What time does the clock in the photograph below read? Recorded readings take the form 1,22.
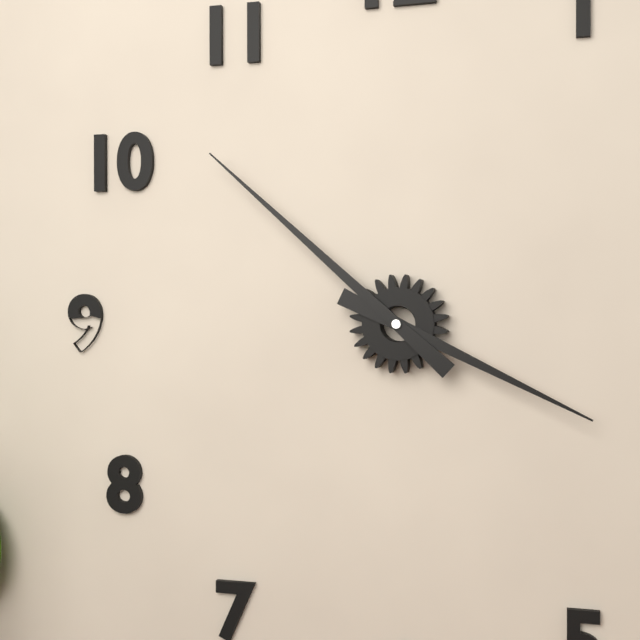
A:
3,52
